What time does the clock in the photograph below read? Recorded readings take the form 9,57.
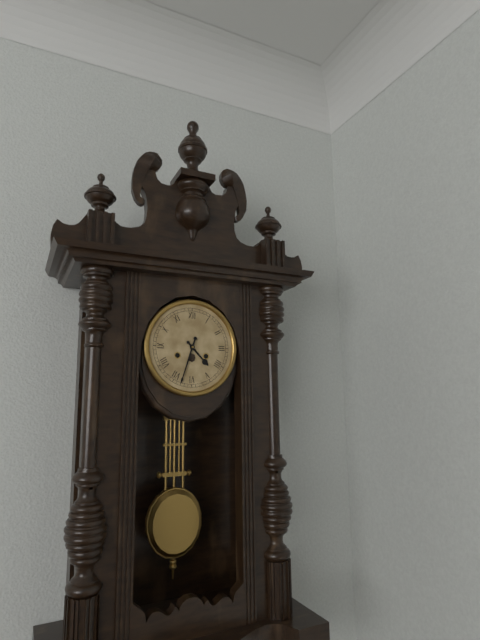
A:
4,33
